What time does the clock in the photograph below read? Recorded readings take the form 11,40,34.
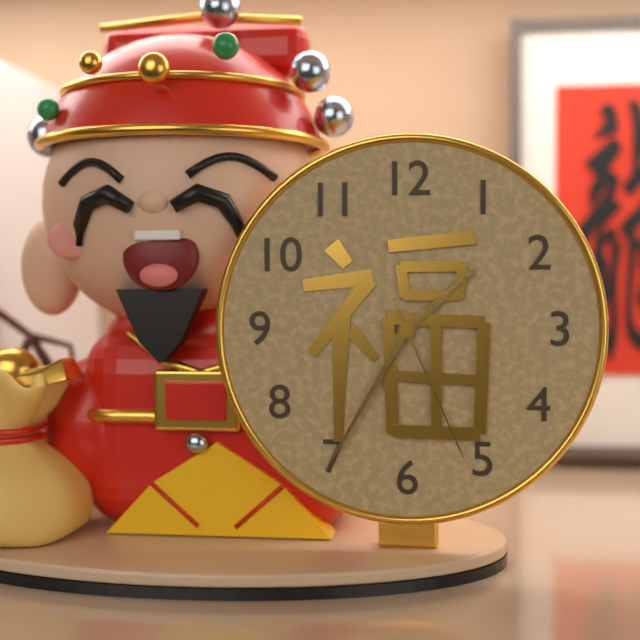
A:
1,35,26
